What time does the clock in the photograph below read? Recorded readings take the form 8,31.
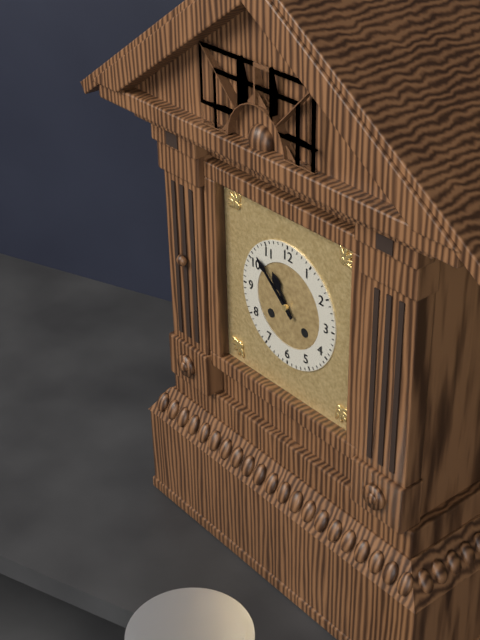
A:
10,52
